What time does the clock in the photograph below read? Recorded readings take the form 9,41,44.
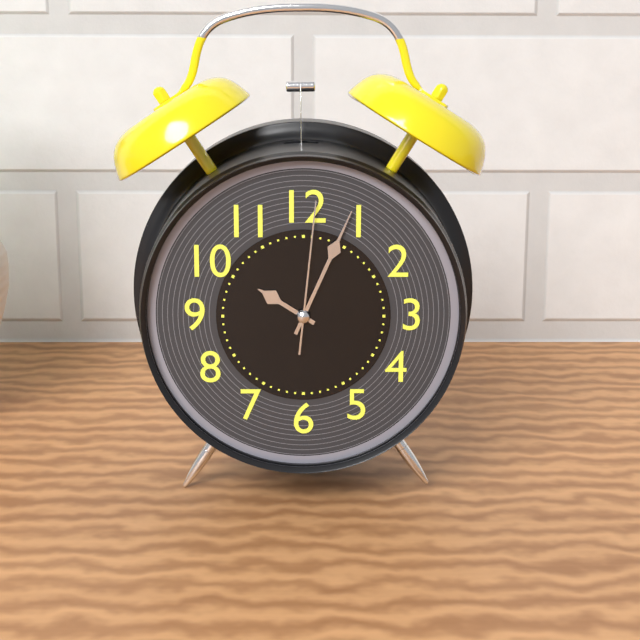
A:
10,04,01
